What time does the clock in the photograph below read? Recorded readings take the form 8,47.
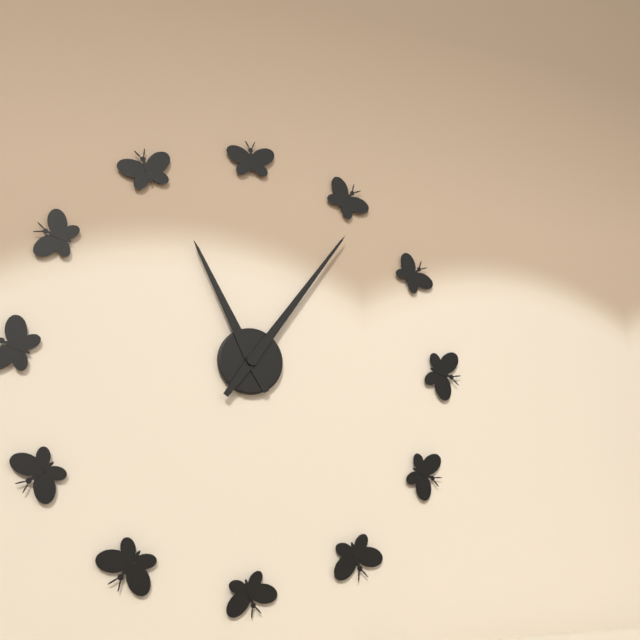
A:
11,06
